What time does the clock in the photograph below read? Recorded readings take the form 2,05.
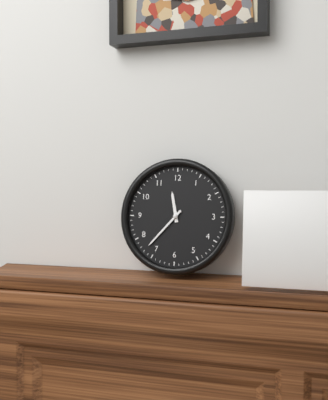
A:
11,37
